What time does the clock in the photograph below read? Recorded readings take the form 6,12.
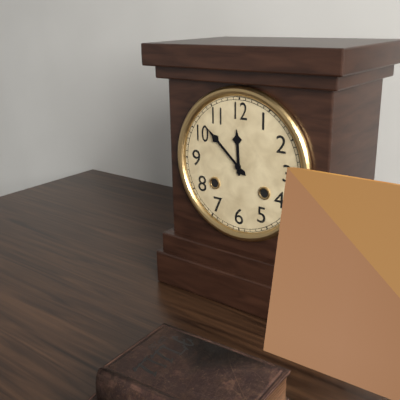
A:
11,52
